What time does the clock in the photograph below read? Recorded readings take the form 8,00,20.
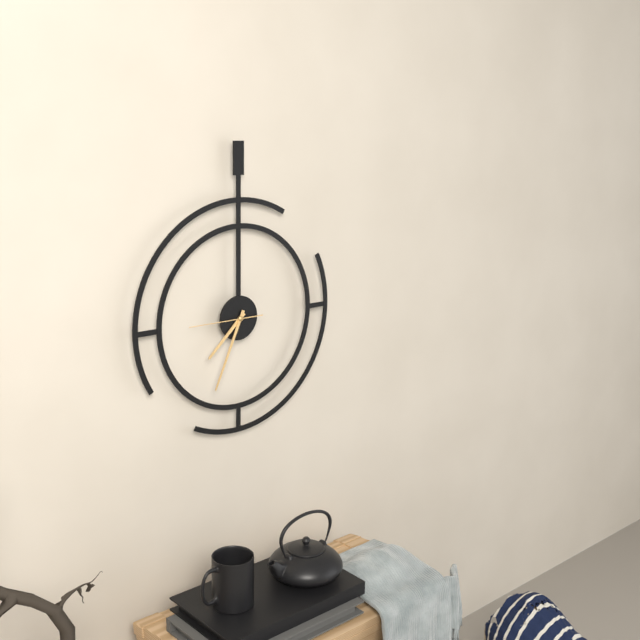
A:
7,34,45
